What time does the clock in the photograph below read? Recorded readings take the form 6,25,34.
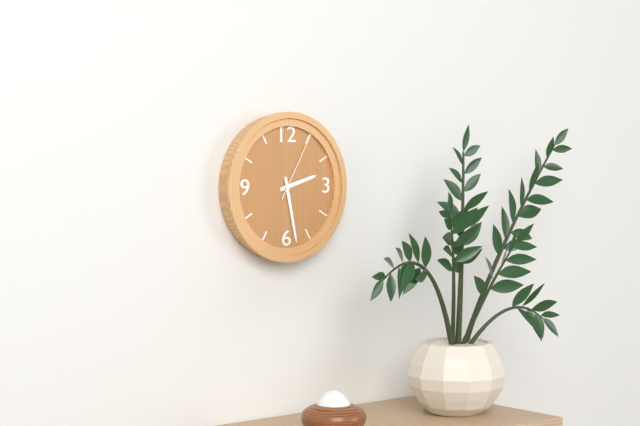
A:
2,28,05
